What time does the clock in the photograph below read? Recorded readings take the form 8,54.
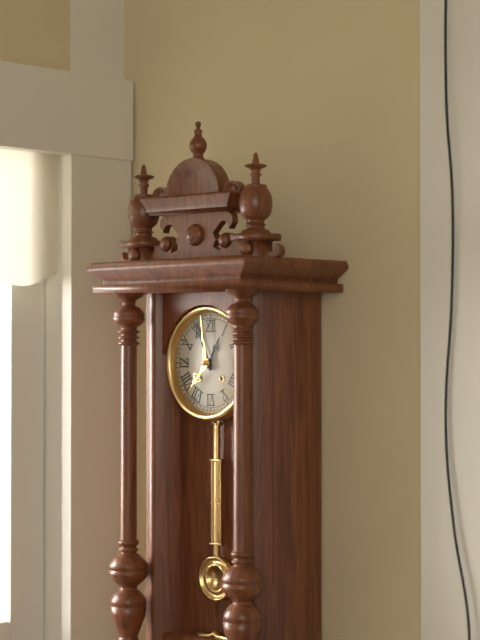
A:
12,56
